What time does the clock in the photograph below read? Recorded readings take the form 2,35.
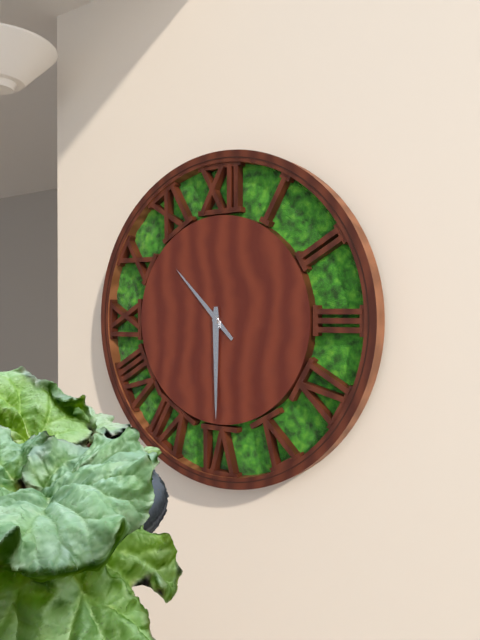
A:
10,30
